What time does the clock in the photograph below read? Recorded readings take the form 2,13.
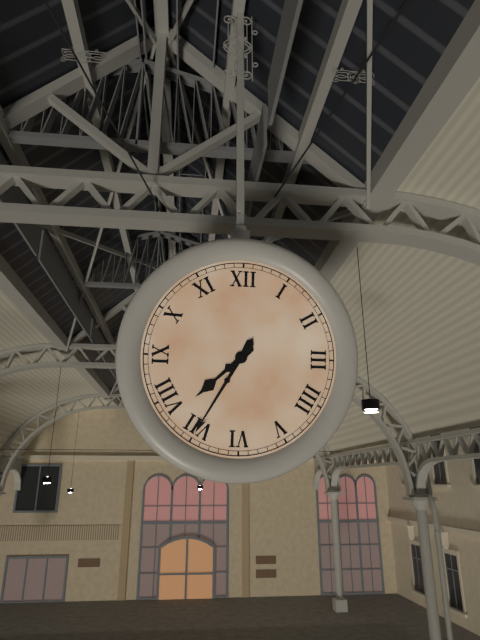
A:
7,35
